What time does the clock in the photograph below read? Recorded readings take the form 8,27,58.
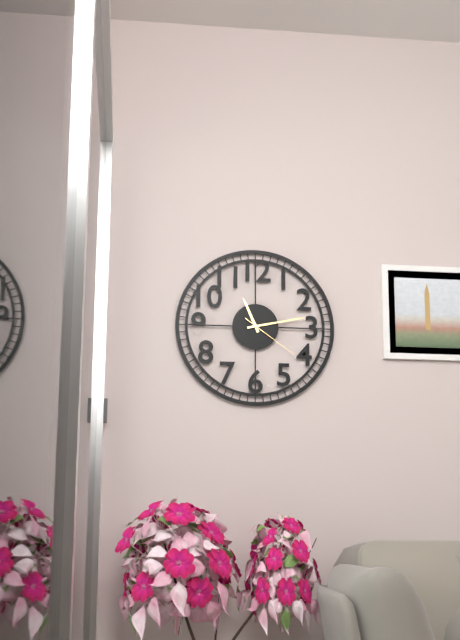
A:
11,13,21
